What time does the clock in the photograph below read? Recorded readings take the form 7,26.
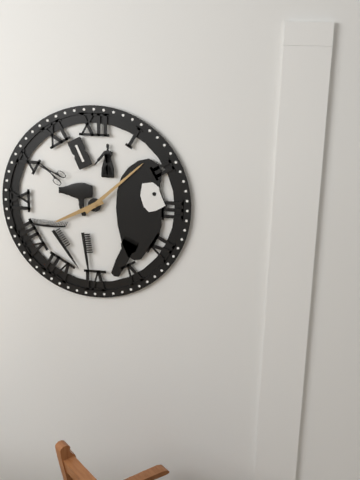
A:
8,08
